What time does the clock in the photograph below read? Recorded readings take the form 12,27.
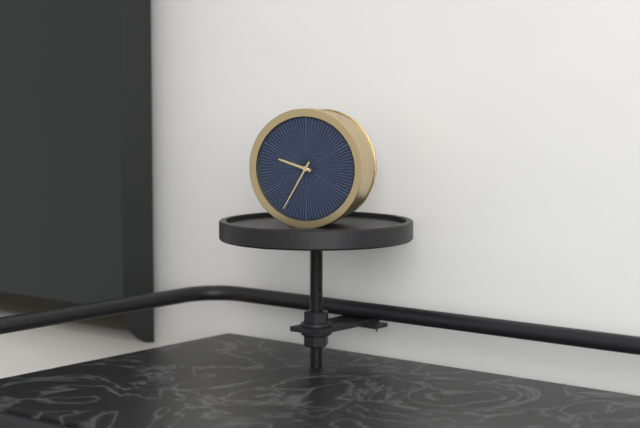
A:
9,35
